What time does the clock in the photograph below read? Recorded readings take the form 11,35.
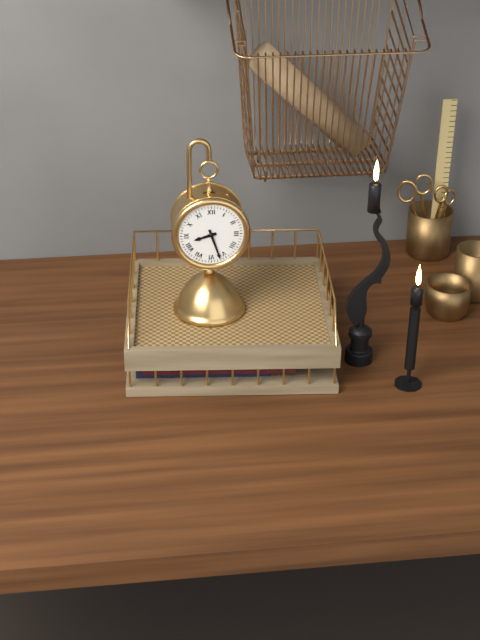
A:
8,27
